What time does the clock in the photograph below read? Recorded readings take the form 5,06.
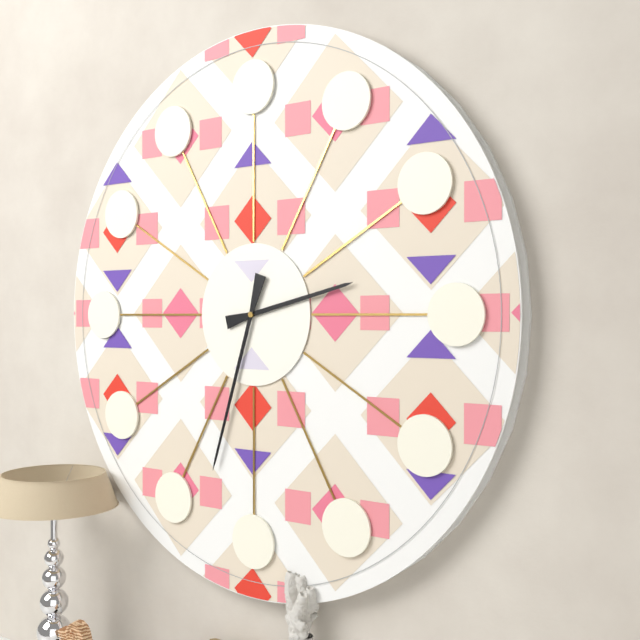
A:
2,33
